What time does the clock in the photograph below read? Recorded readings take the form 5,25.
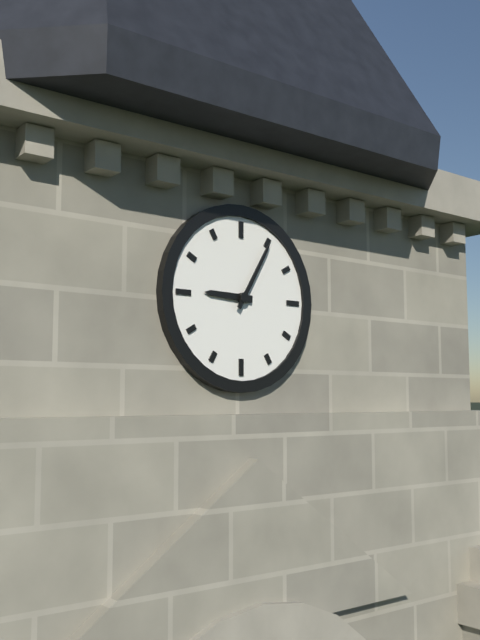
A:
9,05
